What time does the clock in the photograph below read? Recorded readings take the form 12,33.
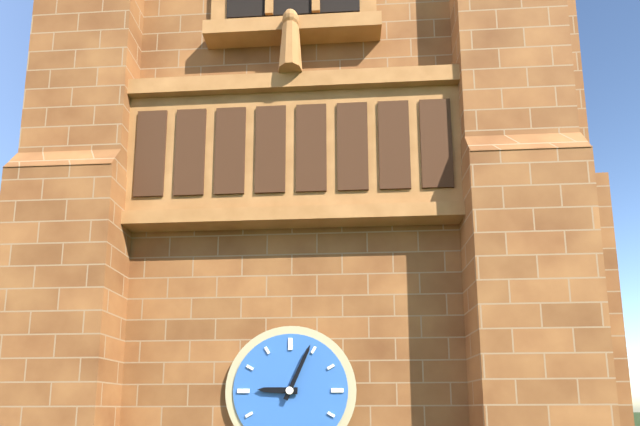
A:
9,04
